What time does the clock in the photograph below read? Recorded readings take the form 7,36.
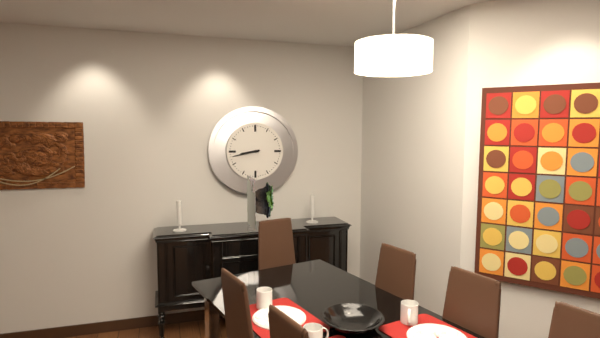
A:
8,43
